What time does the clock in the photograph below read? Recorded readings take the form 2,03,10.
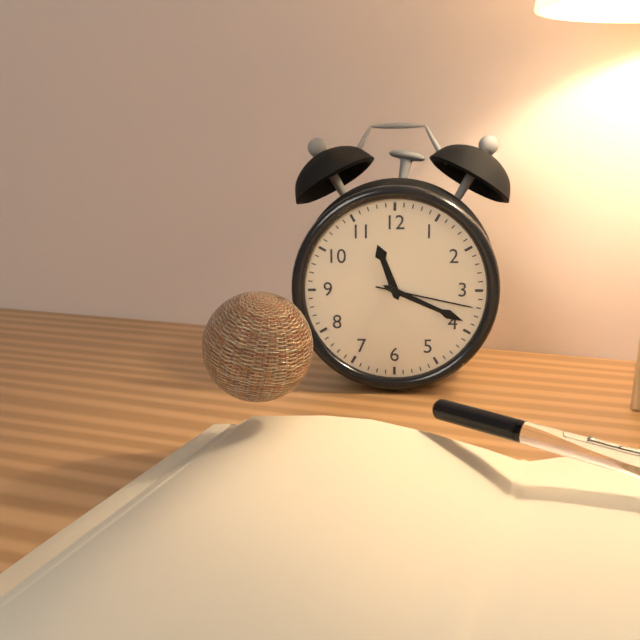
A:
11,19,17
